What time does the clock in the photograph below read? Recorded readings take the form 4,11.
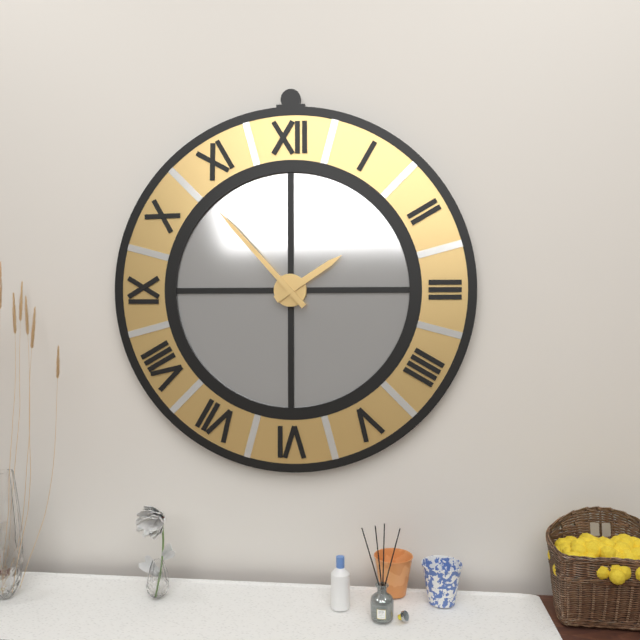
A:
1,53
